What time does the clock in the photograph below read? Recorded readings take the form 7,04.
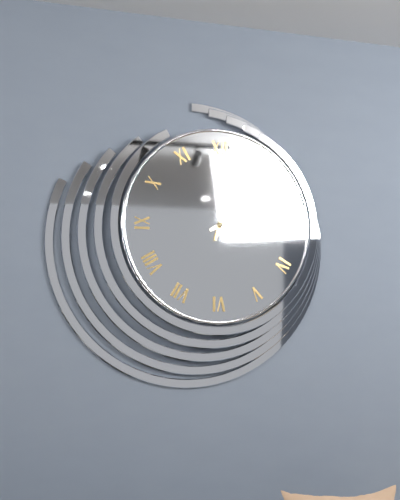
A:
2,03
